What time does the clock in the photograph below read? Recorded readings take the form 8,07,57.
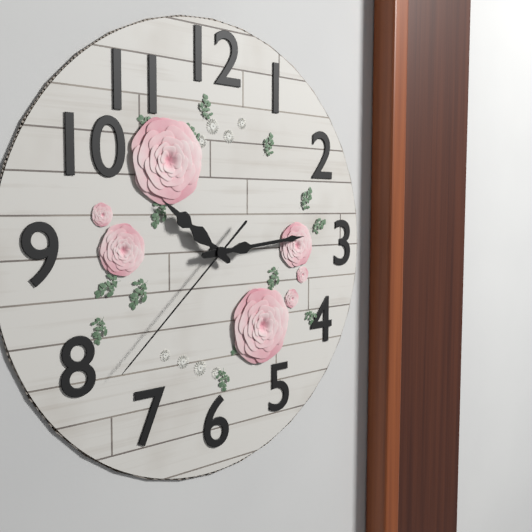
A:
10,14,38
